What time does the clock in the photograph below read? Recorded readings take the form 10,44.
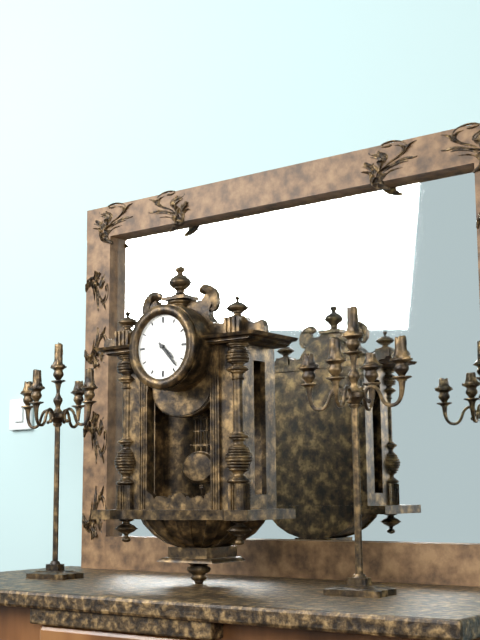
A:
4,23
